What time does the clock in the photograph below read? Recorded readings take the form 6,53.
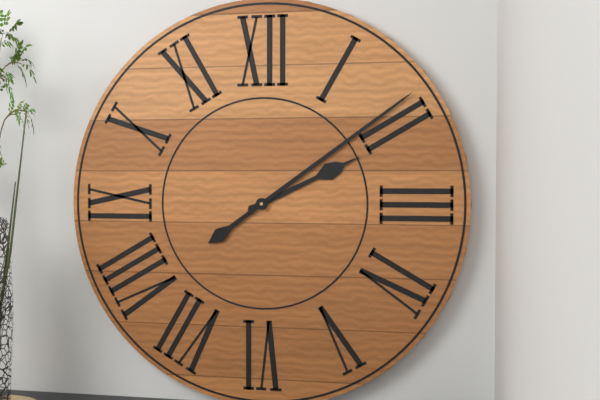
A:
2,09
